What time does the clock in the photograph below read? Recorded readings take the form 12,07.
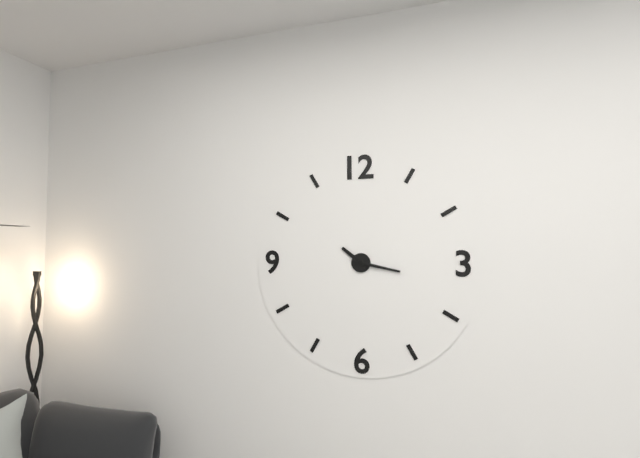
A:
10,17
